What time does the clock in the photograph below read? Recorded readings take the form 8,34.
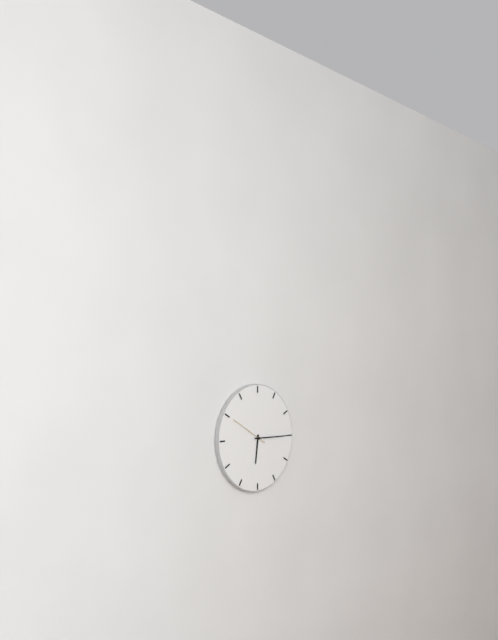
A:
6,15
